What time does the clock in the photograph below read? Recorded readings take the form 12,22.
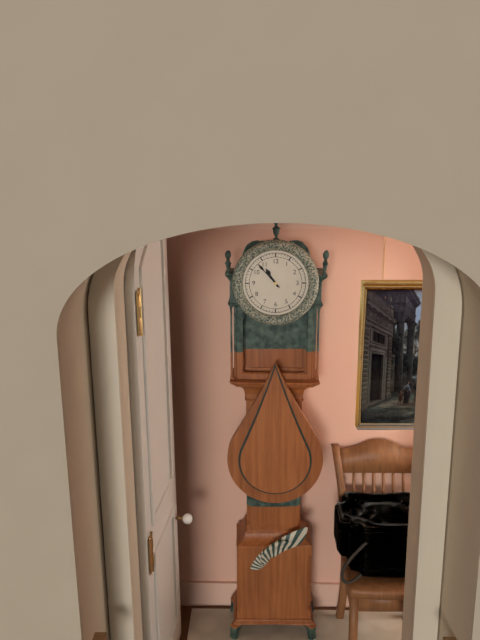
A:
10,53
